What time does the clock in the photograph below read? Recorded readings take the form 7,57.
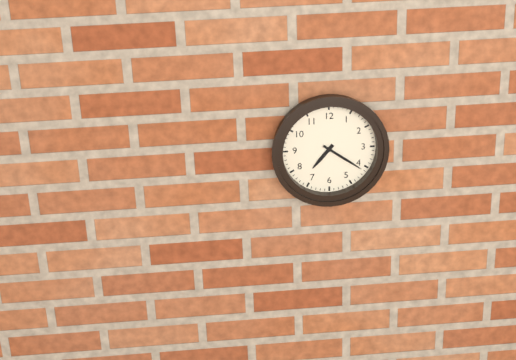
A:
7,21
